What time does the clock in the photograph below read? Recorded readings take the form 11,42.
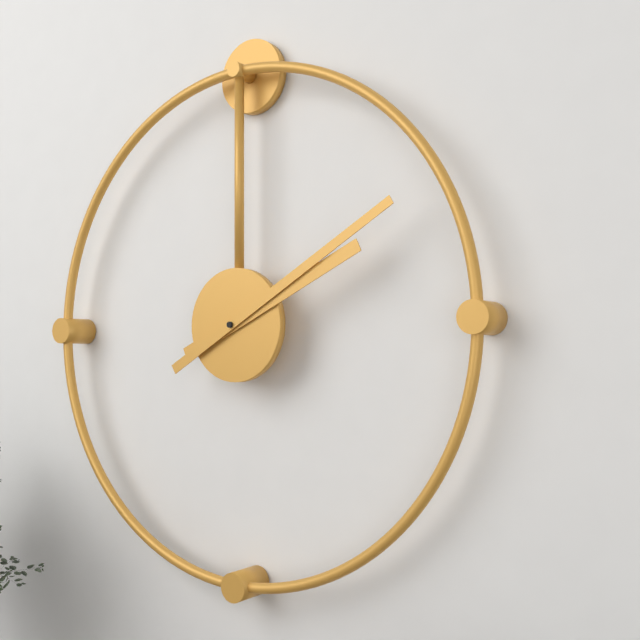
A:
2,10
